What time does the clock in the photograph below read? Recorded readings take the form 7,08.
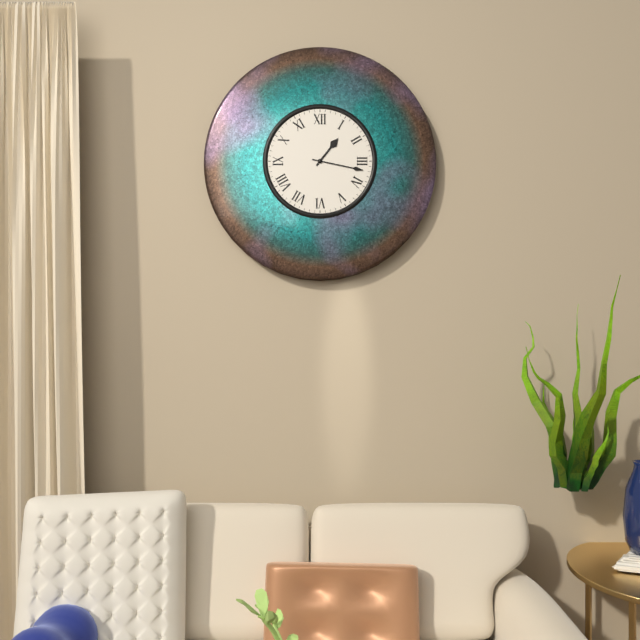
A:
1,17
